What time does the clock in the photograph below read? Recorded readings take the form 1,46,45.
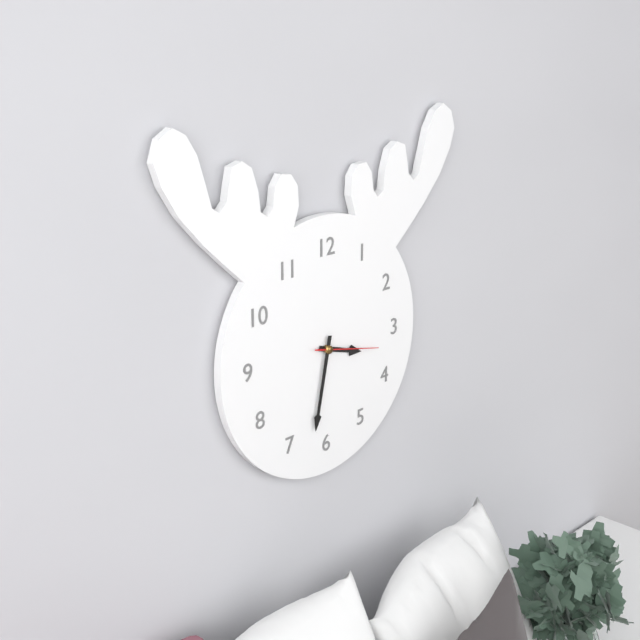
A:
3,32,17
